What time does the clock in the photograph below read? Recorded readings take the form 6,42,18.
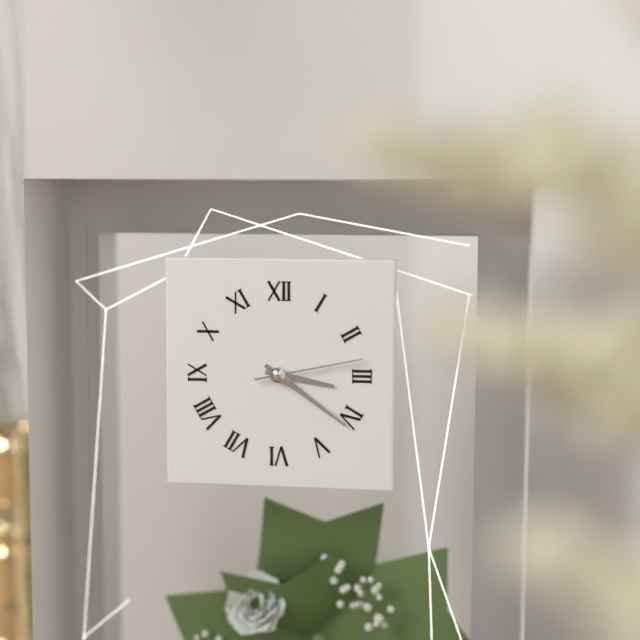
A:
3,21,13
